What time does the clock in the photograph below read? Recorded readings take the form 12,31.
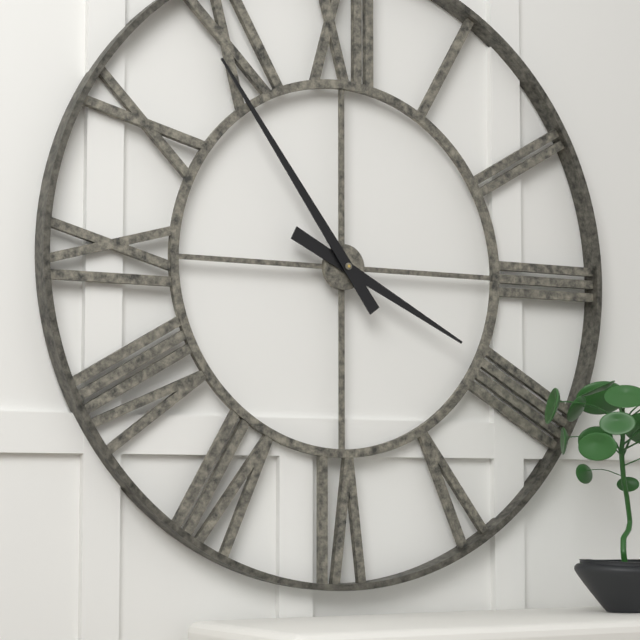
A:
3,54
